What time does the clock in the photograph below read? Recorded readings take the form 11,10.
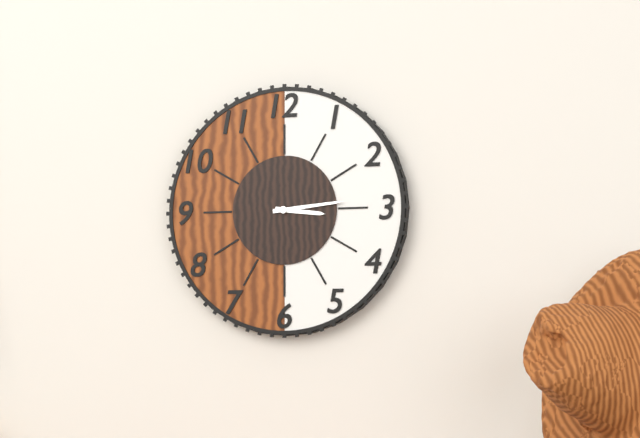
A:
3,14
